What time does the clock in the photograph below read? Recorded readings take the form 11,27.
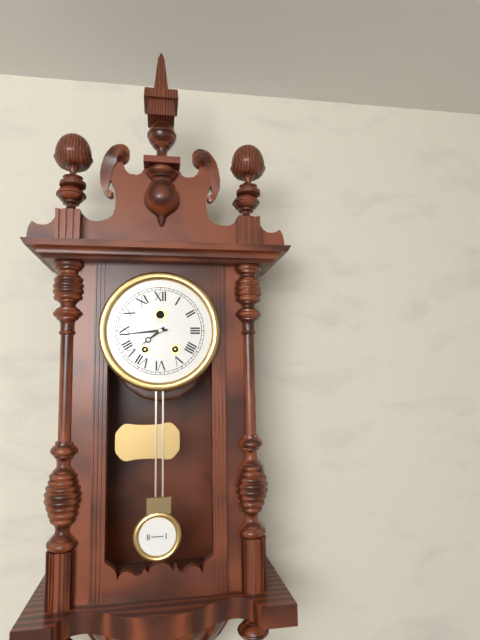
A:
7,44
